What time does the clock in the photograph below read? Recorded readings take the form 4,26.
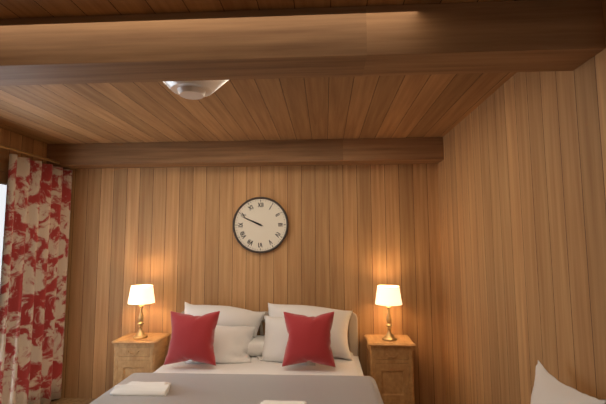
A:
9,49
